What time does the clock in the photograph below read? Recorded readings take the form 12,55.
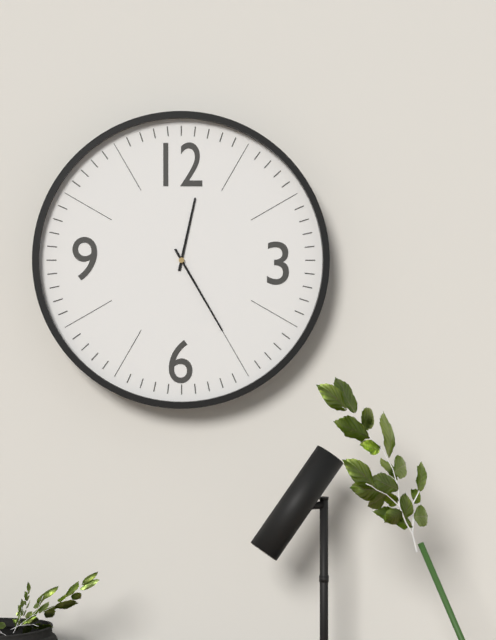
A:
12,25
